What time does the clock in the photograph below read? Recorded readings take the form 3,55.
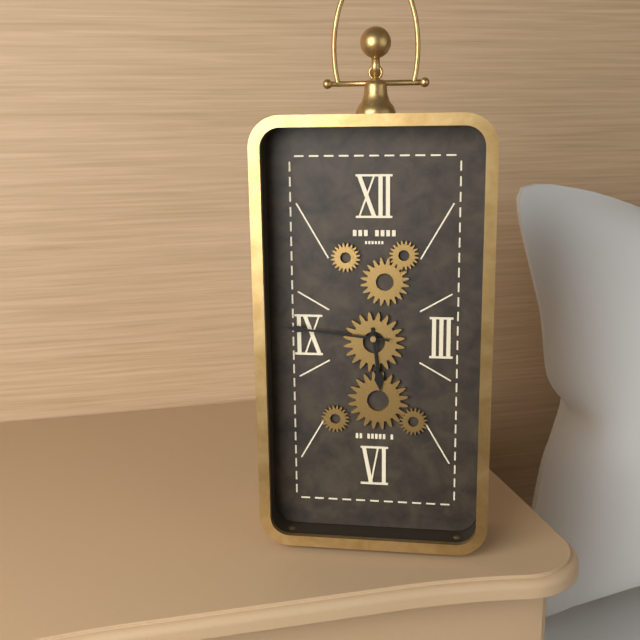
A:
5,46
